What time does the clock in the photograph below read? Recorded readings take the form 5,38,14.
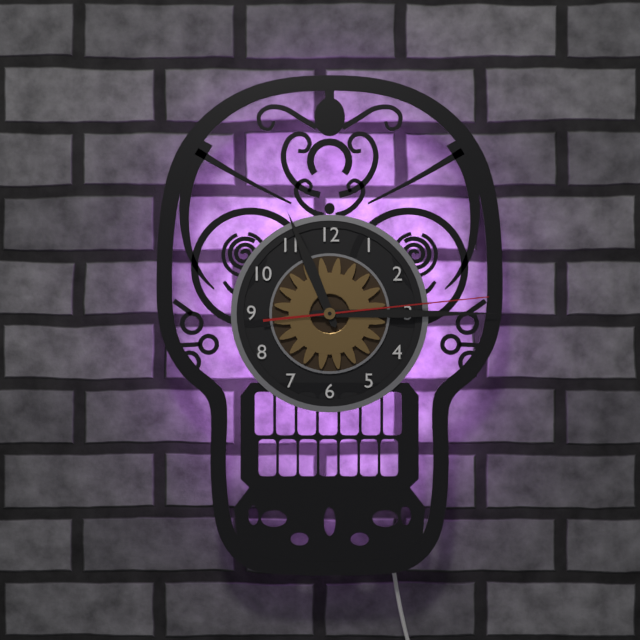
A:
11,15,14
